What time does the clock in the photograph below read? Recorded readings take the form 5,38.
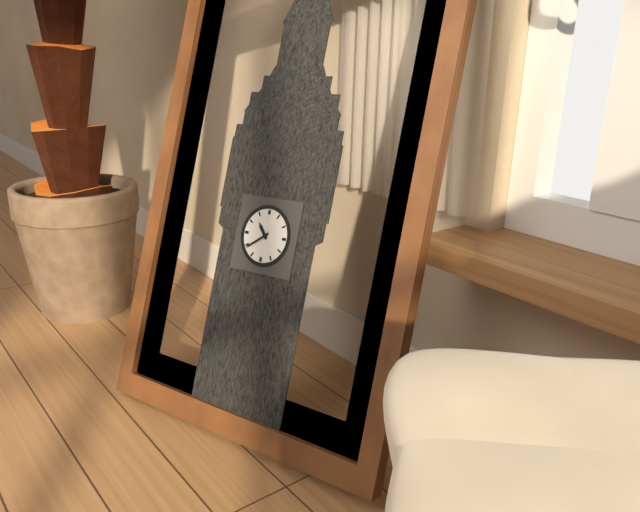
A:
10,39
